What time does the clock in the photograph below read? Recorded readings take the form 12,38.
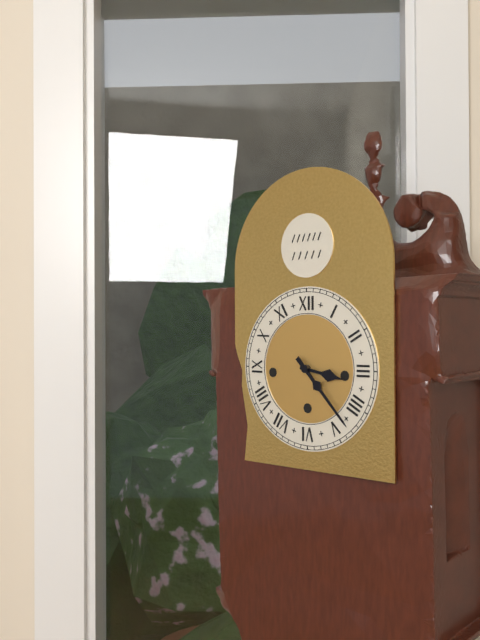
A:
3,23
